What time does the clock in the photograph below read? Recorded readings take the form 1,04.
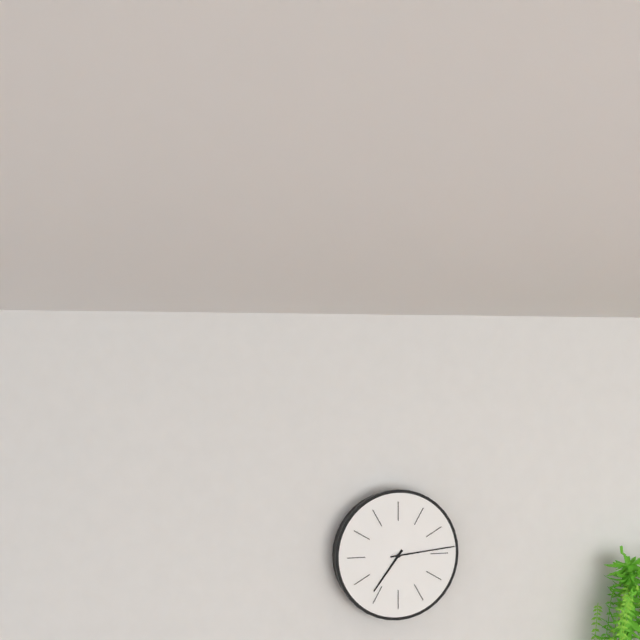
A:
7,14
